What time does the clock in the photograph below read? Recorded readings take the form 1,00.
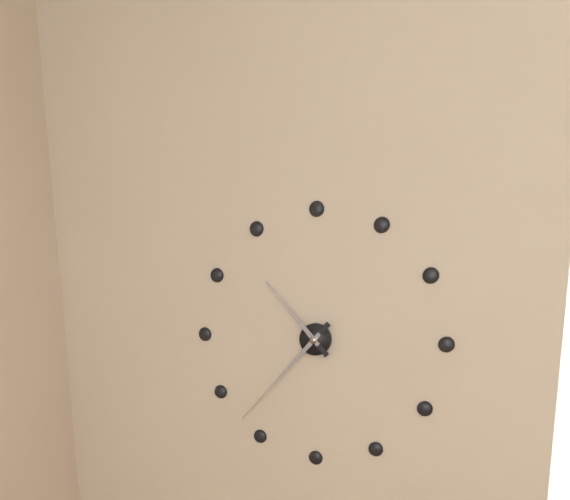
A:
10,37
